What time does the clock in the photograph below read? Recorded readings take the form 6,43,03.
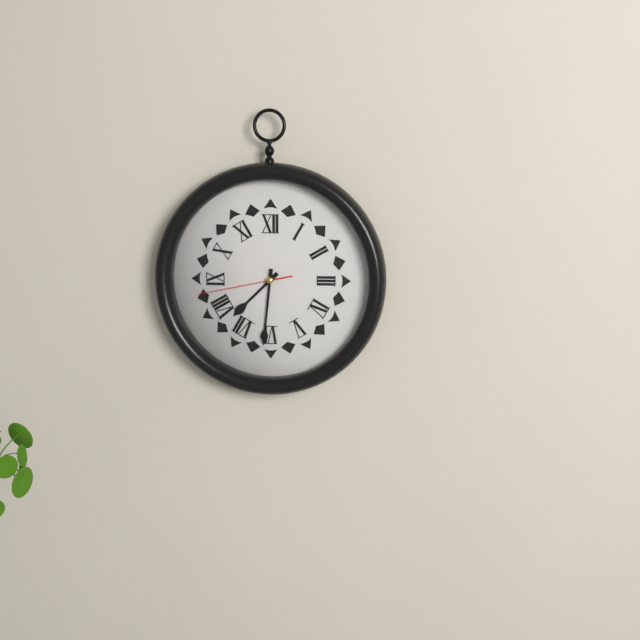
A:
7,31,43
